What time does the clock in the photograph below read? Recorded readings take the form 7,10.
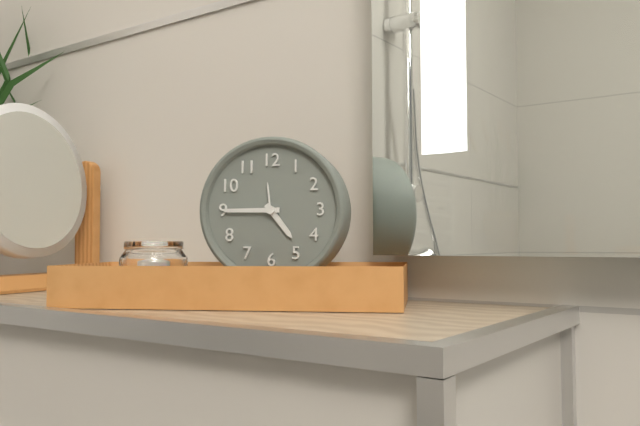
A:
4,45
